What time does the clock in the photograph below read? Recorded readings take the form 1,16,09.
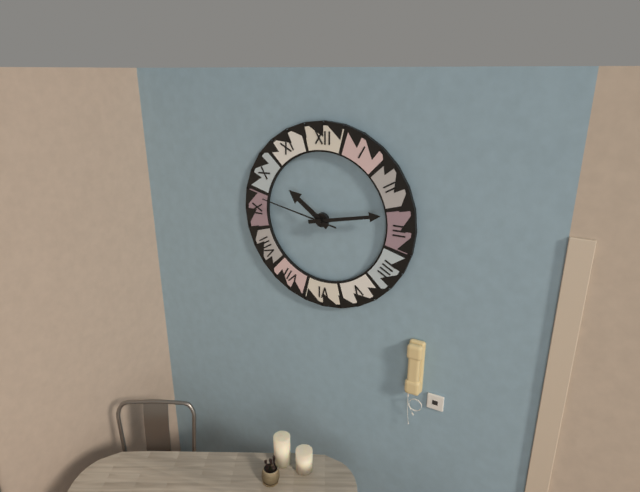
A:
10,13,47
